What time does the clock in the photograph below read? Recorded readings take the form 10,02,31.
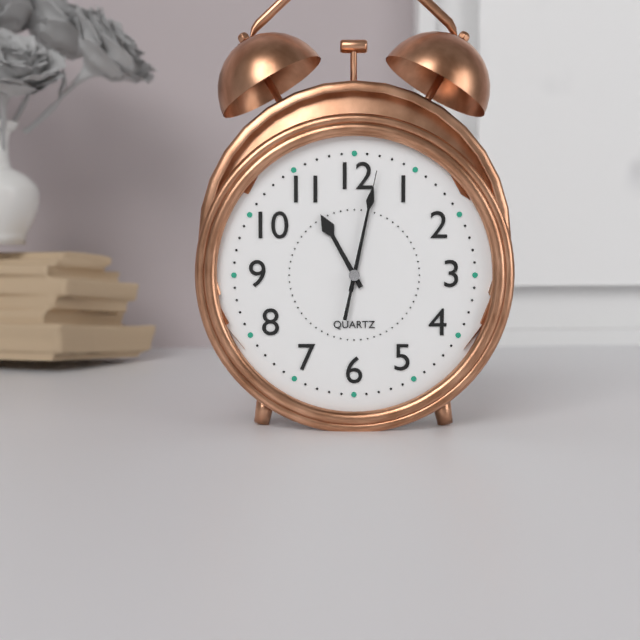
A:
11,02,02
